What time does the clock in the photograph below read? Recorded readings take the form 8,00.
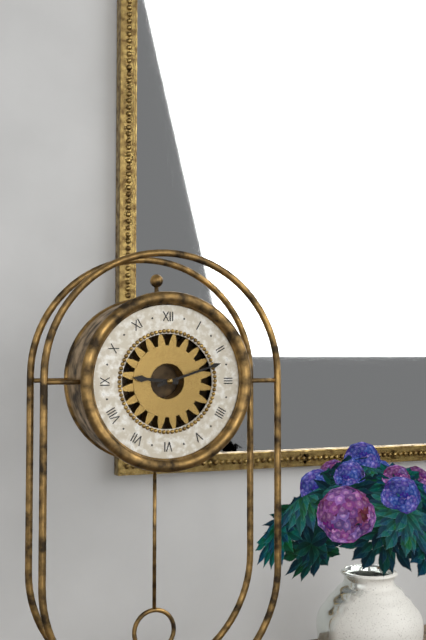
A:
9,12
